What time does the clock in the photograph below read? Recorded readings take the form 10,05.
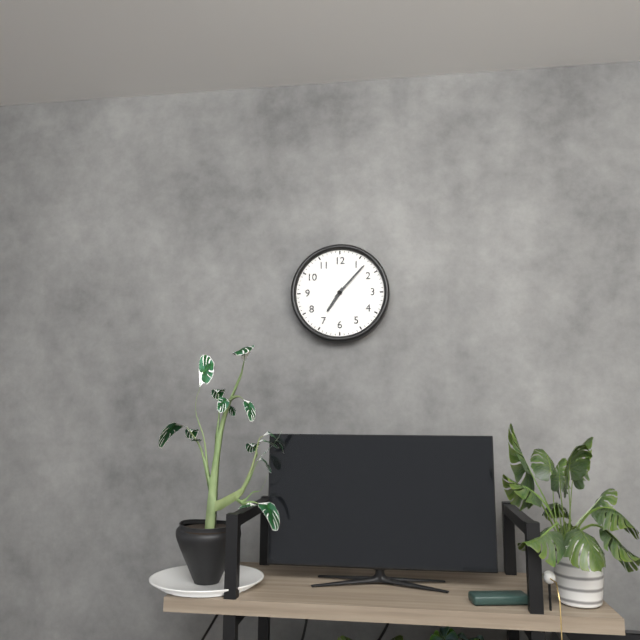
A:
7,07
